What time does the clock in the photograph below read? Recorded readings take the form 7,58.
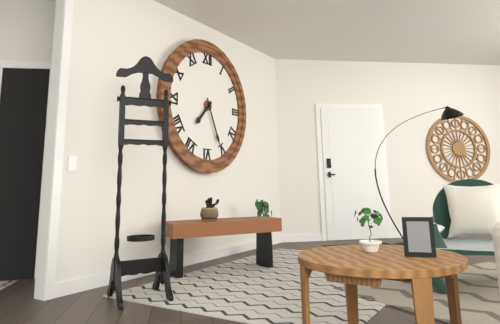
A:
7,26
